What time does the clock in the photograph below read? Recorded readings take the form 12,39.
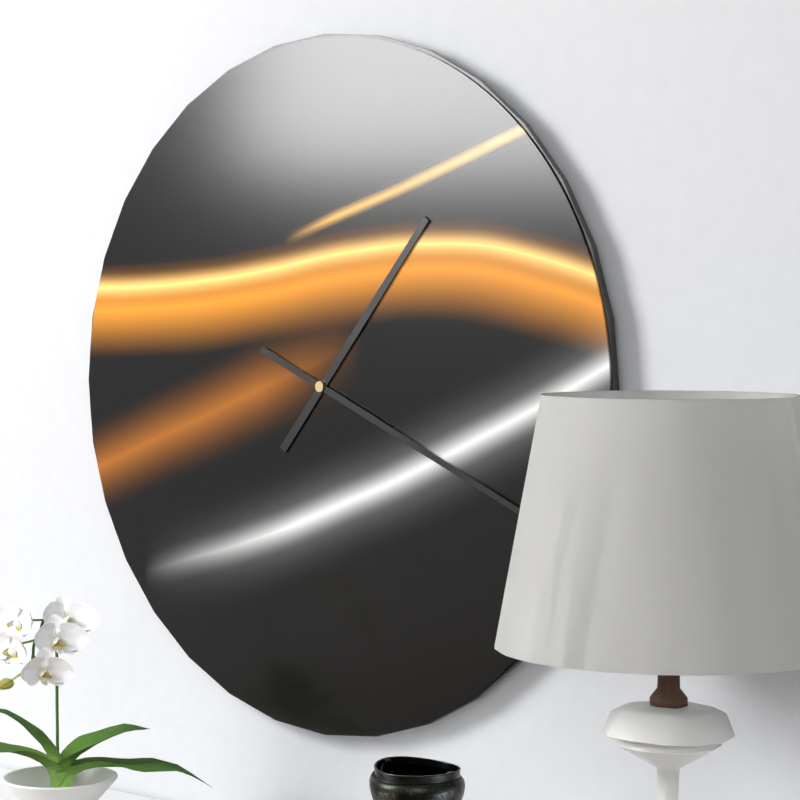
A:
1,19
